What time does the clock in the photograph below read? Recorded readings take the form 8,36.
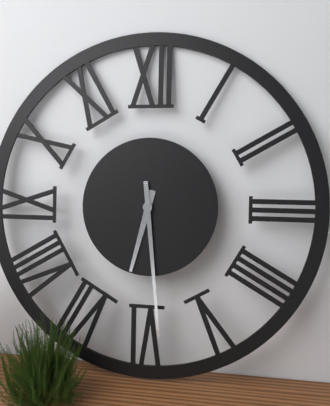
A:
6,29
